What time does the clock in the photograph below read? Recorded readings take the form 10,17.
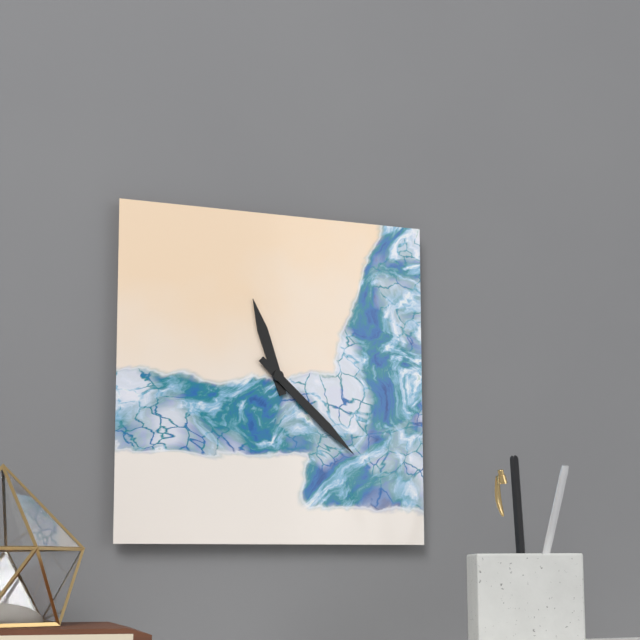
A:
11,22
